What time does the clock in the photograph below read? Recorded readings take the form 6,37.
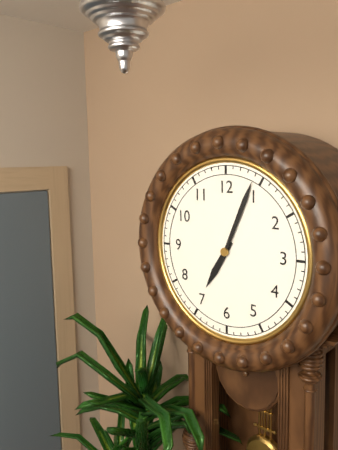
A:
7,04
